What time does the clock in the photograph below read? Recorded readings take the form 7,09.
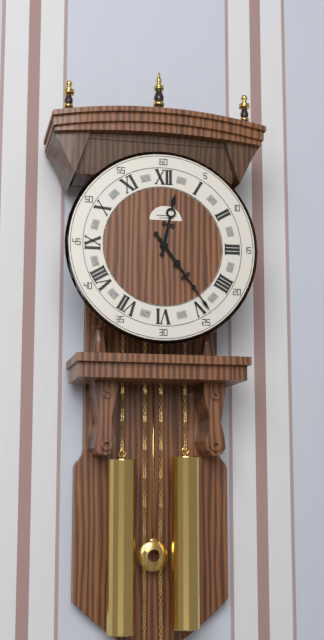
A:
12,24
